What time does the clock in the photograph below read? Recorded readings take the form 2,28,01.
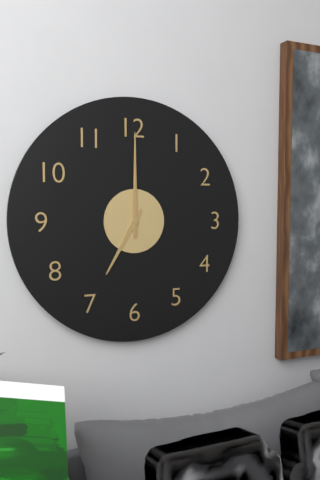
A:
7,00,00
